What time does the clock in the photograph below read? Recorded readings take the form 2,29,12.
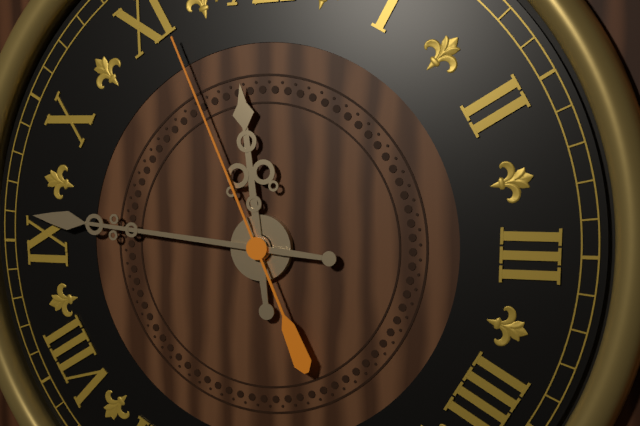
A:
11,46,56
